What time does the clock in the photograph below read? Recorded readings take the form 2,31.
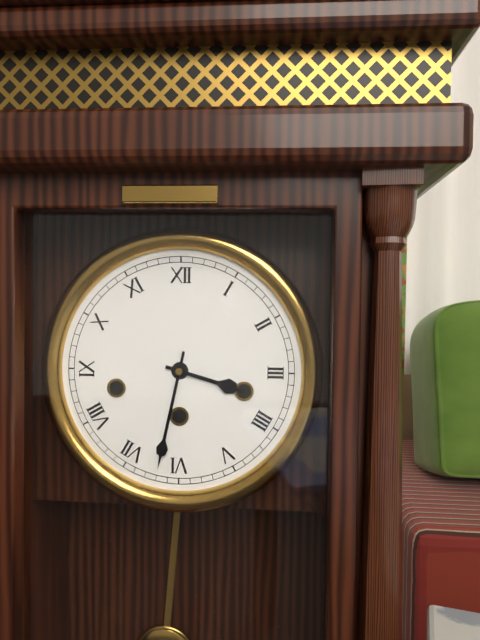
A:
3,32
